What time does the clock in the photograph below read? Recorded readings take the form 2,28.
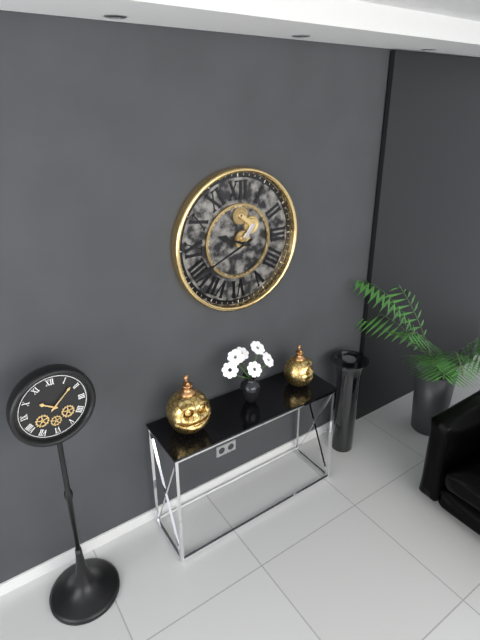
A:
9,41
